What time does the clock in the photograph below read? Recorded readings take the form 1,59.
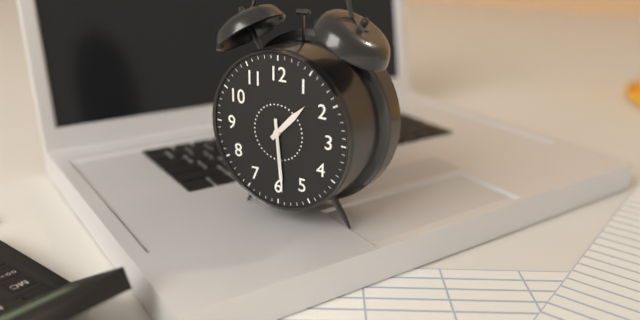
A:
1,29
